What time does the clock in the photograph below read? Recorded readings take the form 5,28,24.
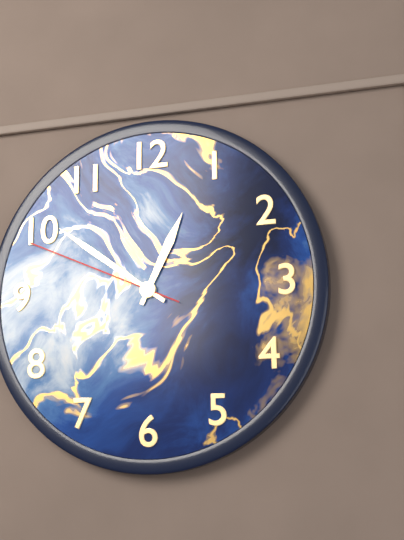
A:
12,51,49
